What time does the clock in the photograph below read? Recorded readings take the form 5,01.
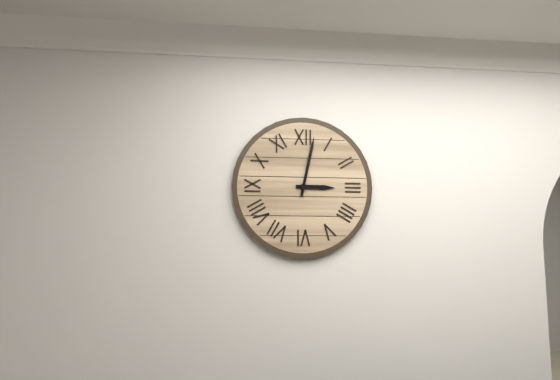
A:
3,02
